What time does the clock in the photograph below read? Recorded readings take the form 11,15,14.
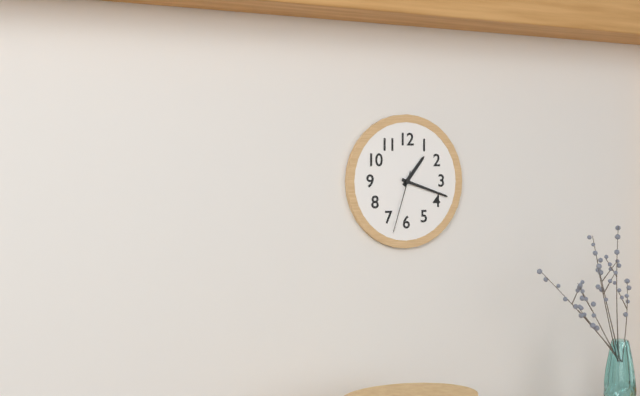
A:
1,18,33
